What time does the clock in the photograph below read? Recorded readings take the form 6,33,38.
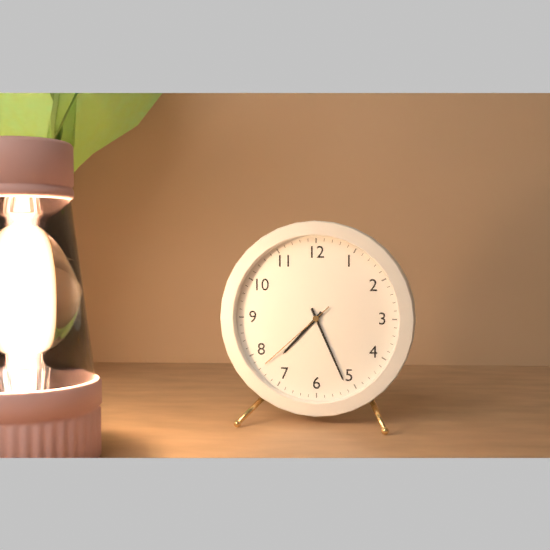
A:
7,26,38
